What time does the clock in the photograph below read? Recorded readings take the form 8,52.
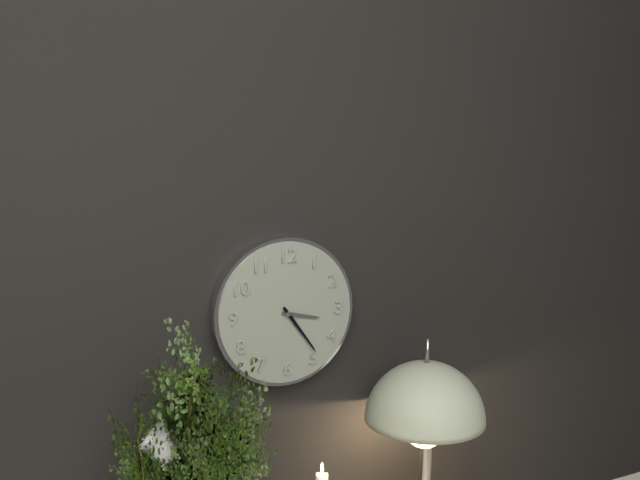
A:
3,24
